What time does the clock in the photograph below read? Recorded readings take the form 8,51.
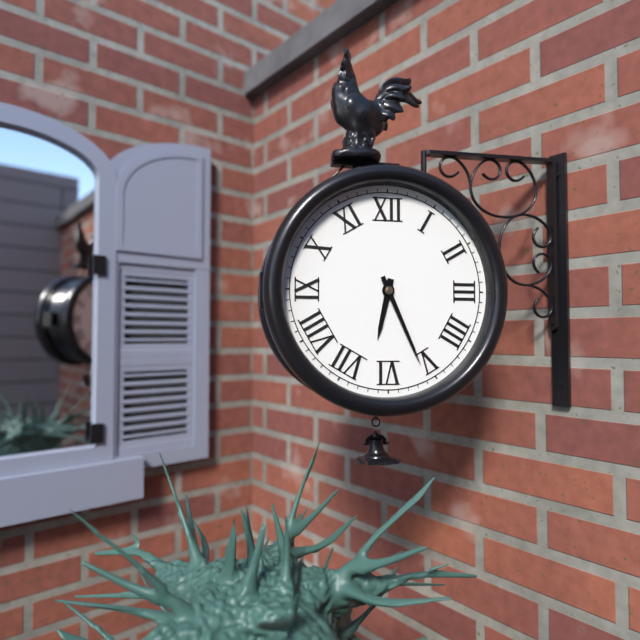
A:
6,26
